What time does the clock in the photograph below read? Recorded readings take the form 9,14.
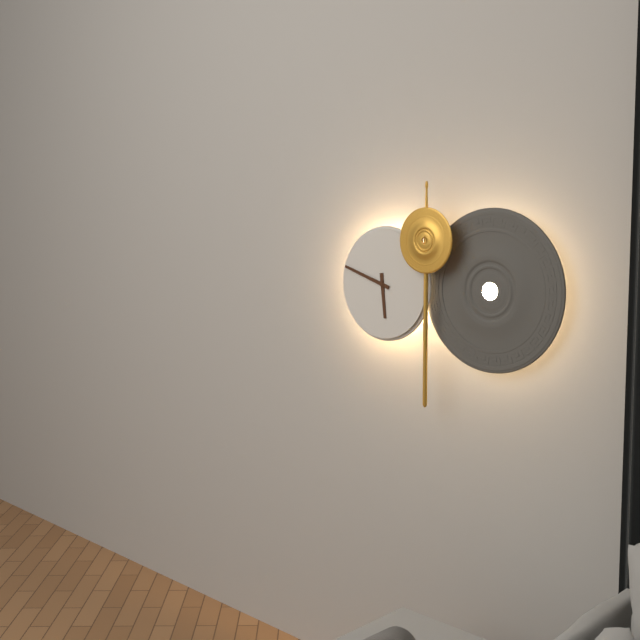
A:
5,48
